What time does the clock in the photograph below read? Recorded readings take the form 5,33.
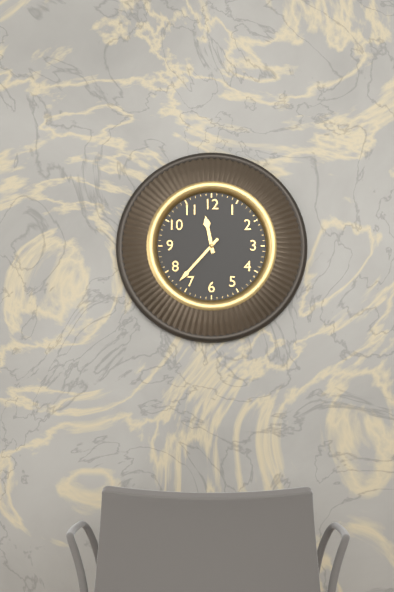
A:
11,37
